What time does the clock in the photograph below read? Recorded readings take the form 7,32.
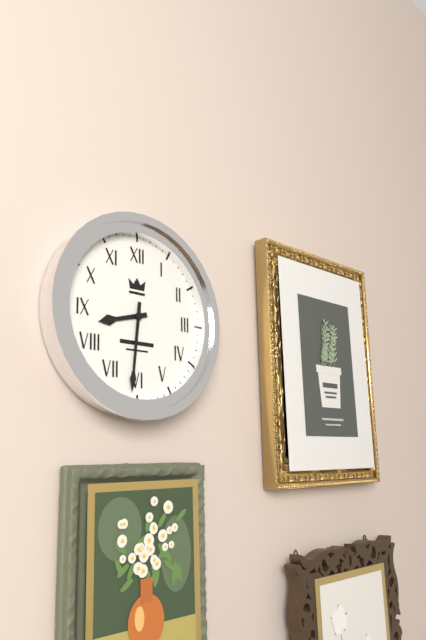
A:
8,31
